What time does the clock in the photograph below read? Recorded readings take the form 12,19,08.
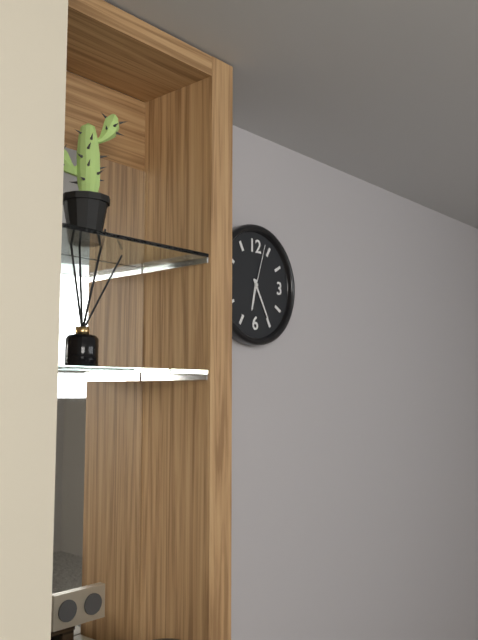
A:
6,25,03
